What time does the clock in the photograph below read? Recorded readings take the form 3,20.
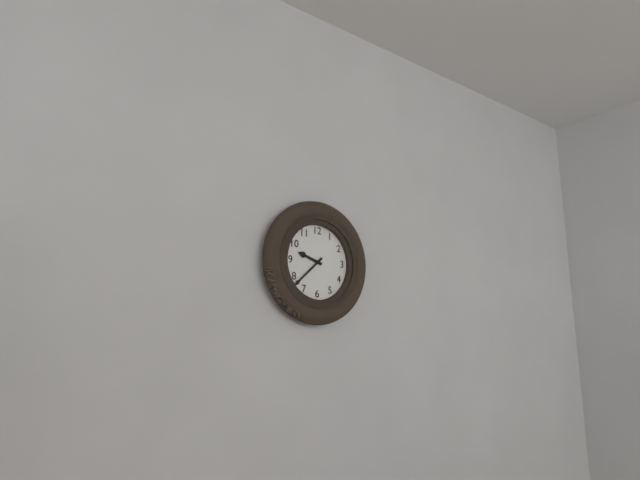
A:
9,38
